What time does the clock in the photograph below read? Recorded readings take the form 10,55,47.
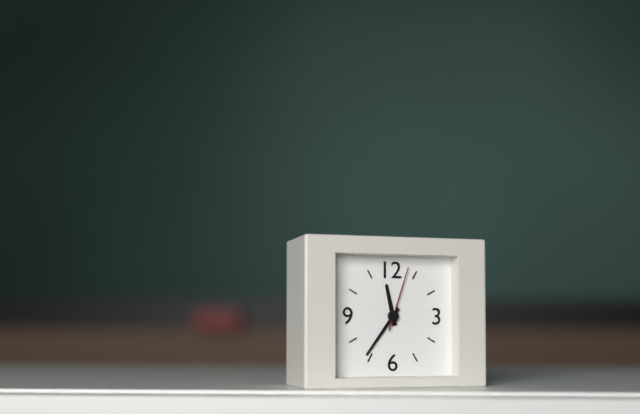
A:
11,36,03
